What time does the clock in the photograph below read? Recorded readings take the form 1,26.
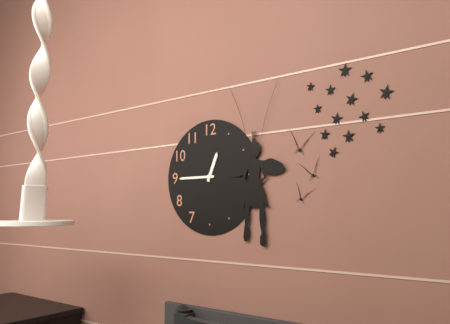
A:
12,45
